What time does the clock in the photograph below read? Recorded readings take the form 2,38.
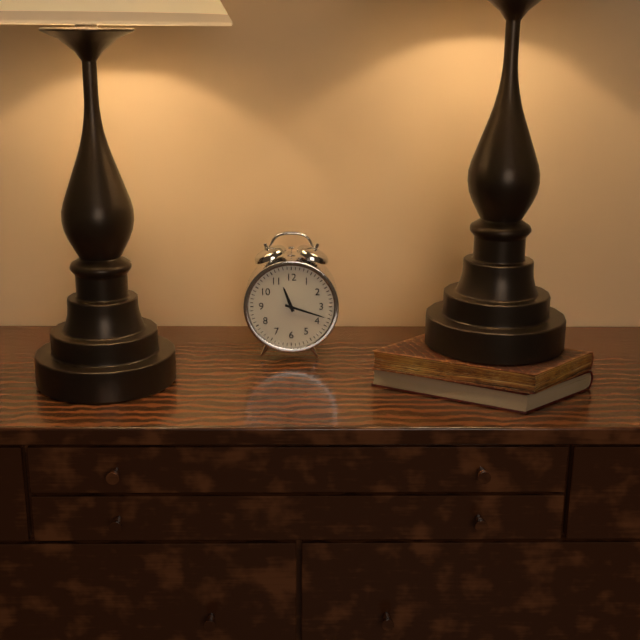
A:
11,18
